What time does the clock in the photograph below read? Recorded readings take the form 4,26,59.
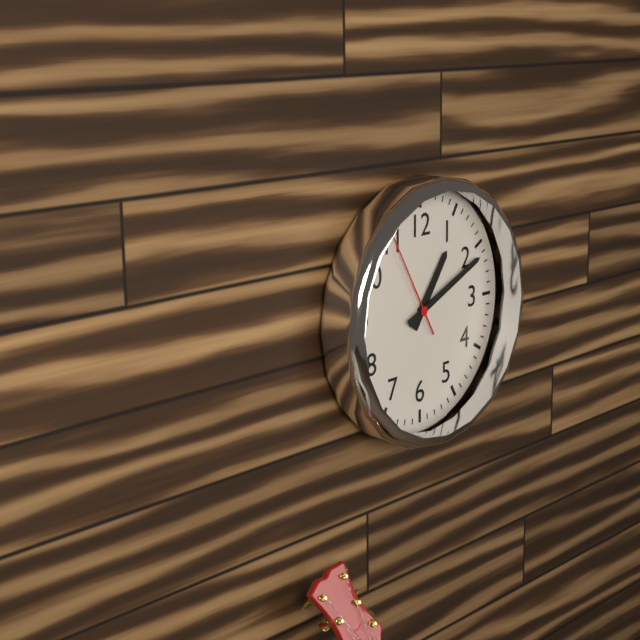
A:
1,11,55
